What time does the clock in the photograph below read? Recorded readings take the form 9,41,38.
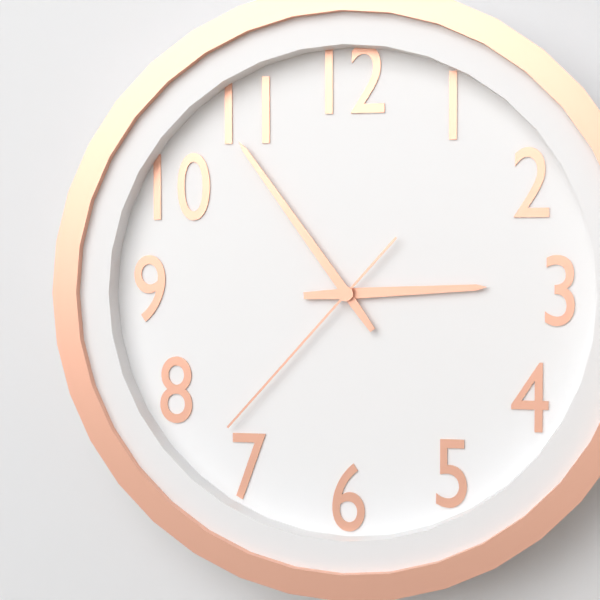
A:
2,54,37
